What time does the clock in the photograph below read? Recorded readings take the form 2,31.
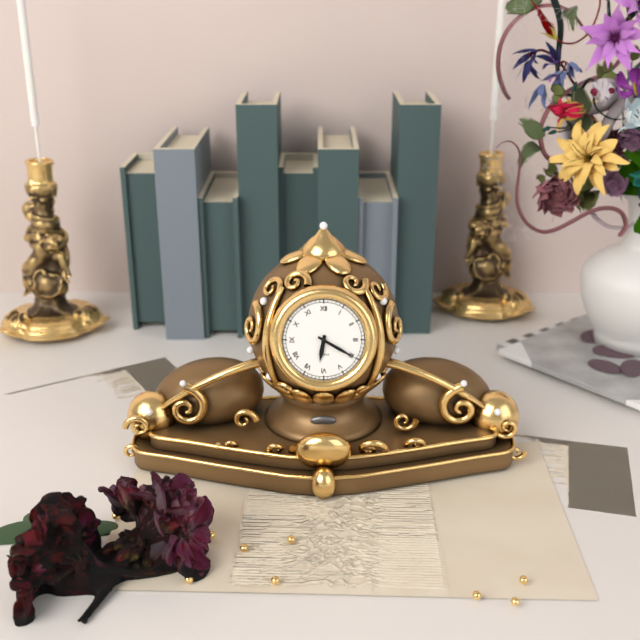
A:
6,20
